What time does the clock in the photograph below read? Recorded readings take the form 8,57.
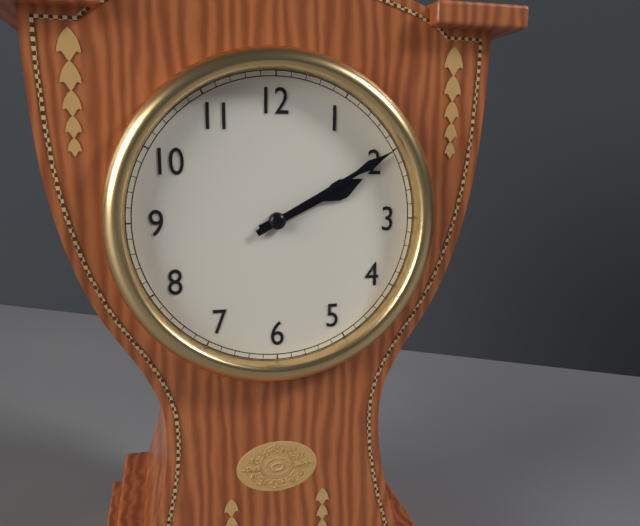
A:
2,10
